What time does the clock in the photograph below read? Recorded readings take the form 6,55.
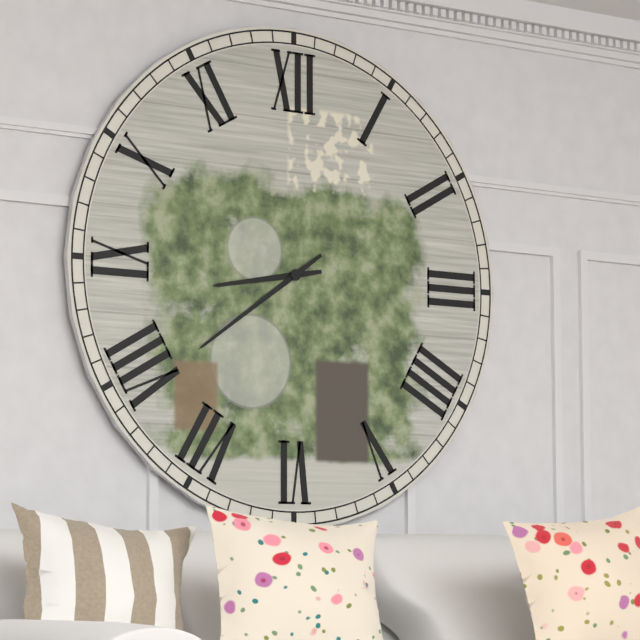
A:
8,39
